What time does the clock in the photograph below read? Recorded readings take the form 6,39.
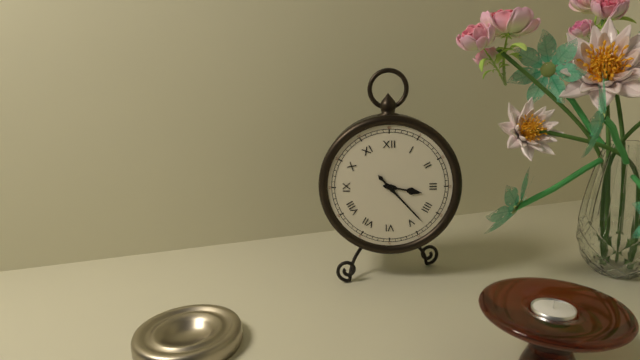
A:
3,23
